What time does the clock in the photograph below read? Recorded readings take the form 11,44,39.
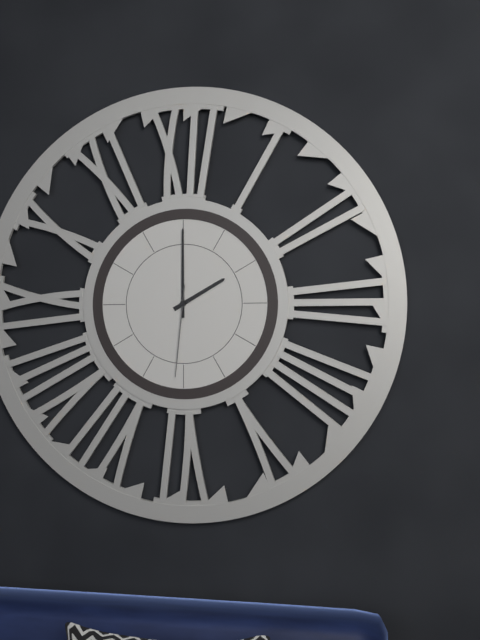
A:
2,00,31
